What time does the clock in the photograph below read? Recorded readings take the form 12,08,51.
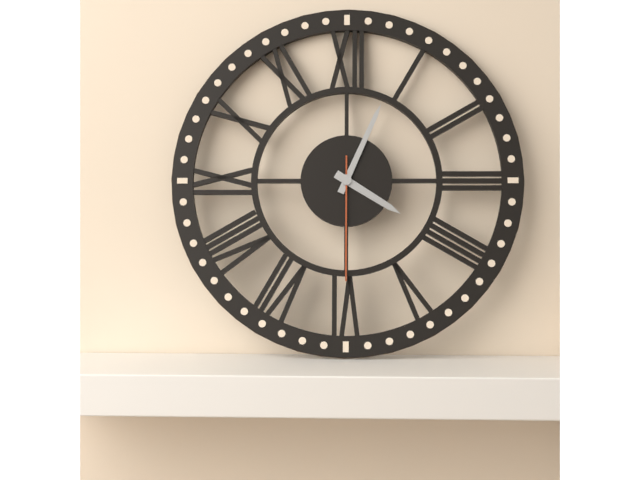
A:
4,04,30
